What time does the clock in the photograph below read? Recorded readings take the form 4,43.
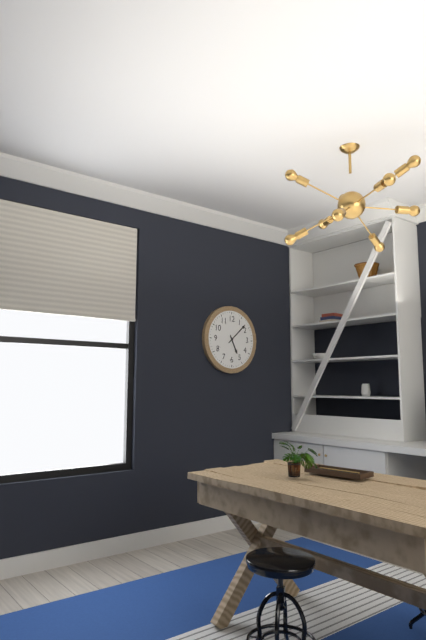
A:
5,08
